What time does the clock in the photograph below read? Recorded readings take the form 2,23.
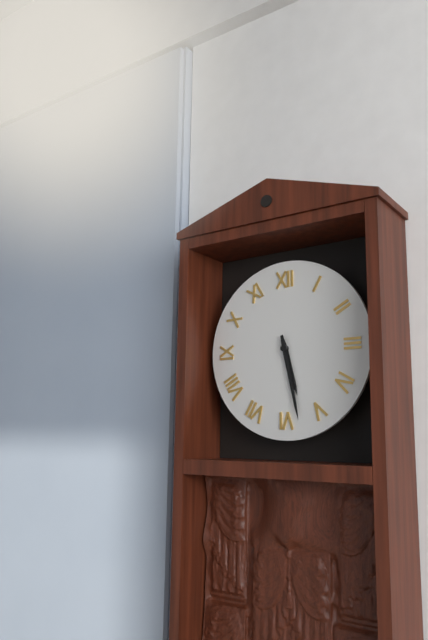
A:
5,28
